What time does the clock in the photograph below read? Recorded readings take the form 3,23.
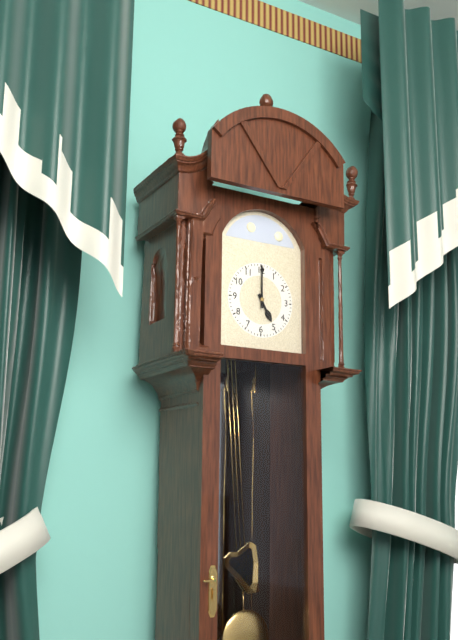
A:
5,00
